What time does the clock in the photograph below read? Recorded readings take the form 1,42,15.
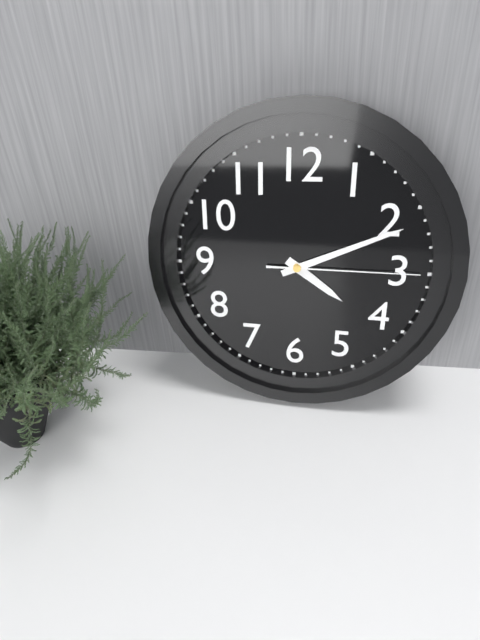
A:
4,11,15
